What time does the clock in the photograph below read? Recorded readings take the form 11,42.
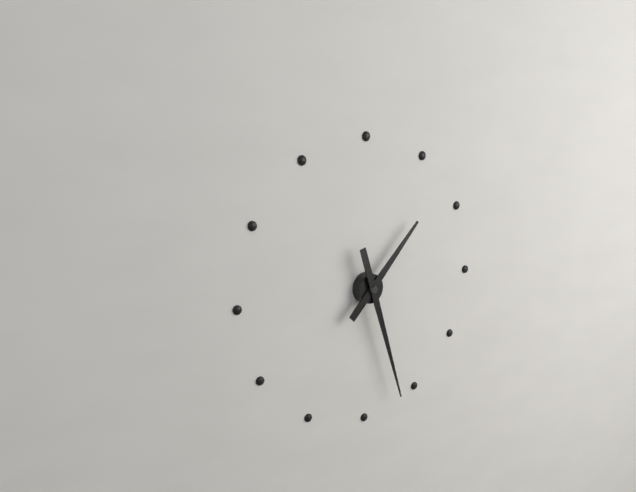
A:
1,27
